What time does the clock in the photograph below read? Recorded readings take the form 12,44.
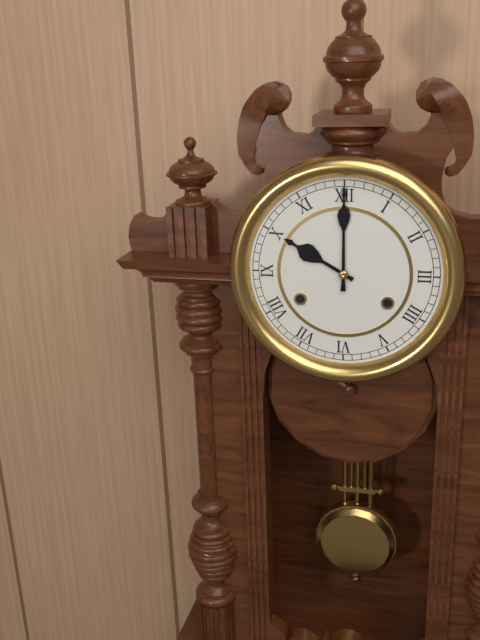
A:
10,00
